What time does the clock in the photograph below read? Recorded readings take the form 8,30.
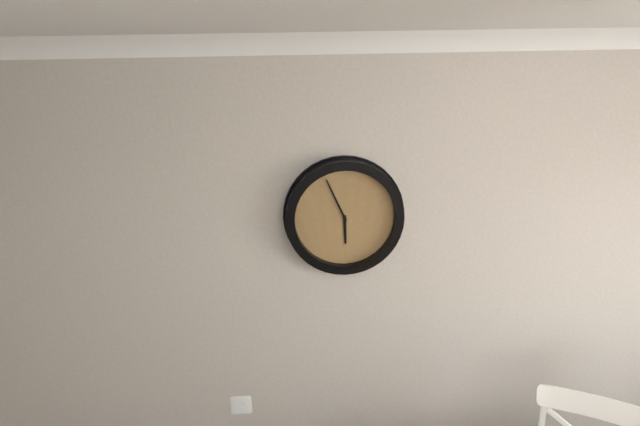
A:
5,56
